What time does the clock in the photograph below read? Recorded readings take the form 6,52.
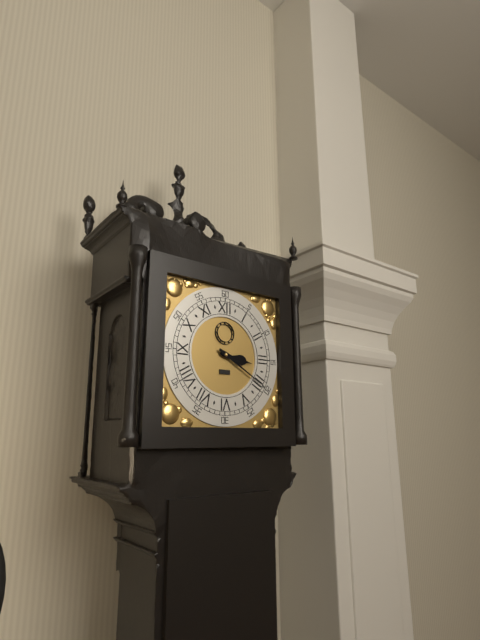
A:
3,20
